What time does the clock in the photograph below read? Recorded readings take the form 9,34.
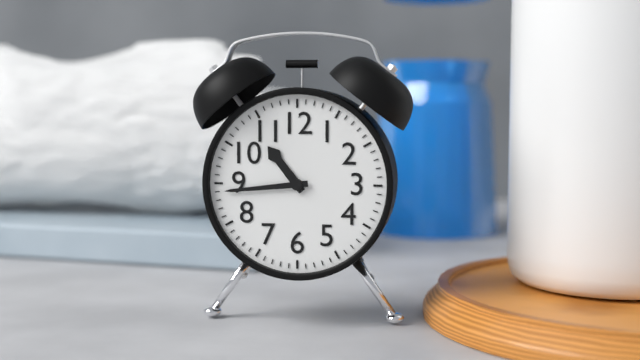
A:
10,44
